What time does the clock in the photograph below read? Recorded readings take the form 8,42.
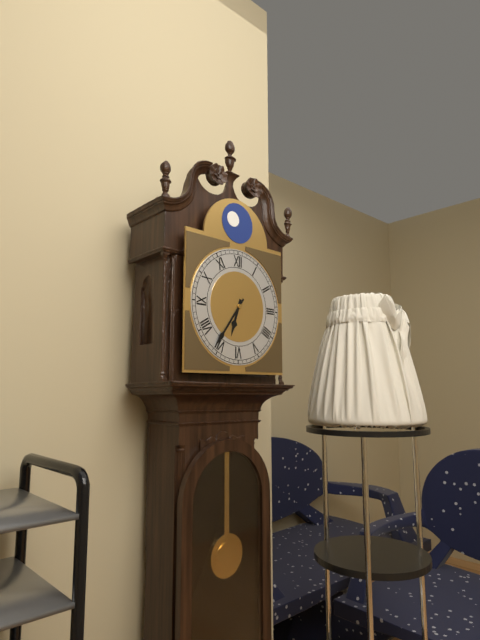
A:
6,36
